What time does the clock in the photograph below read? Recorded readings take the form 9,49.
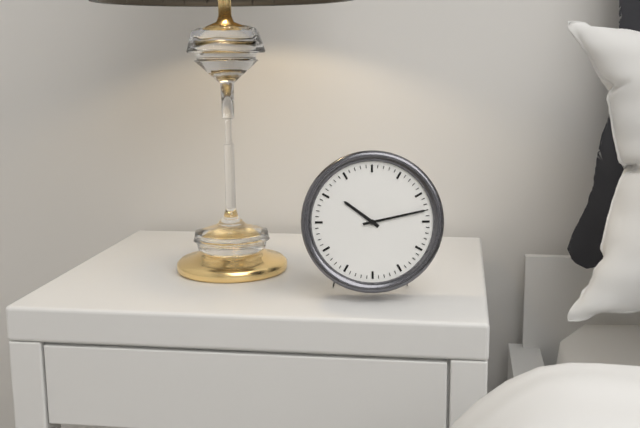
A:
10,13
